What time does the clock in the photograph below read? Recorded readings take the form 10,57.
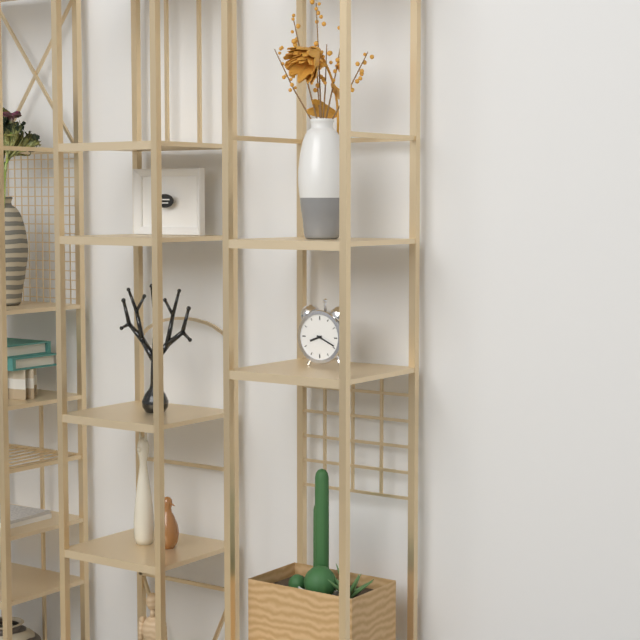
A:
8,19
